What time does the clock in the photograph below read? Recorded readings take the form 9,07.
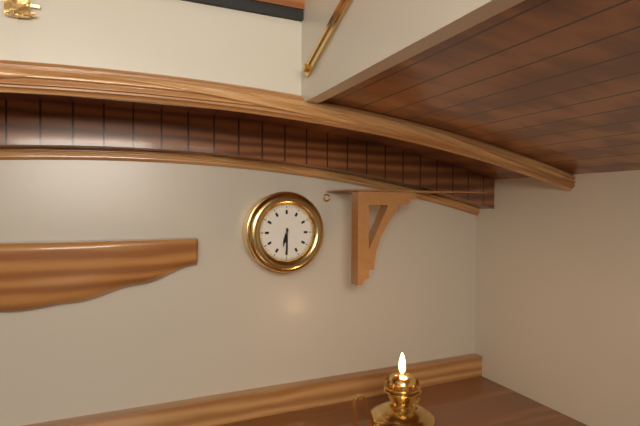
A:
6,30
